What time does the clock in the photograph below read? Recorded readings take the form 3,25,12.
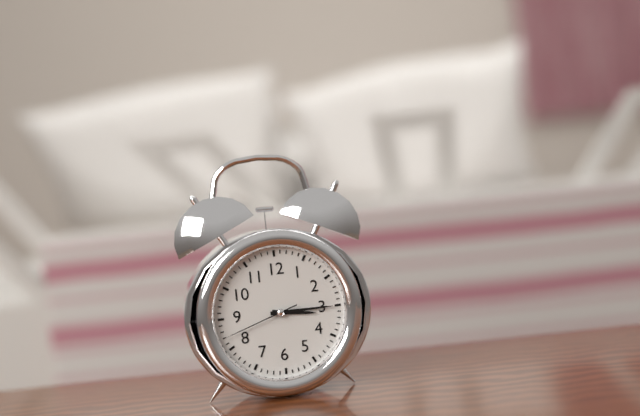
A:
3,15,42
